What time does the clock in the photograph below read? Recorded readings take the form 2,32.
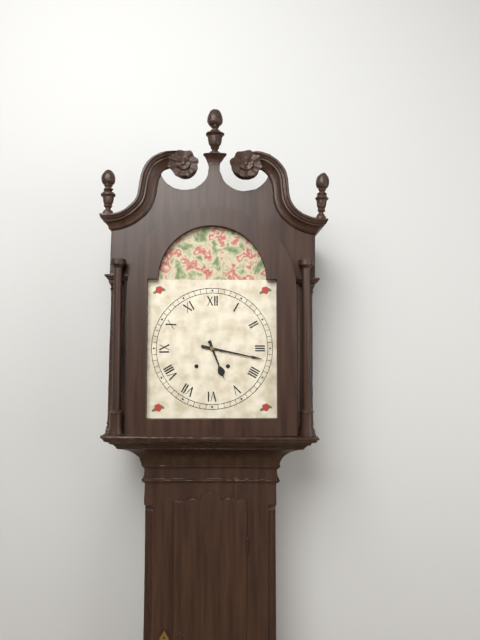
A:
5,17
